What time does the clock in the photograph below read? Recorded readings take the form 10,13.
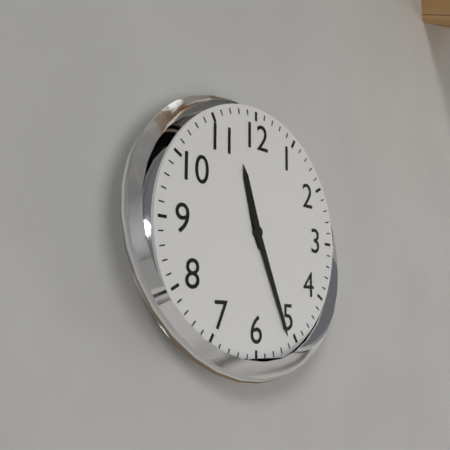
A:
11,26
